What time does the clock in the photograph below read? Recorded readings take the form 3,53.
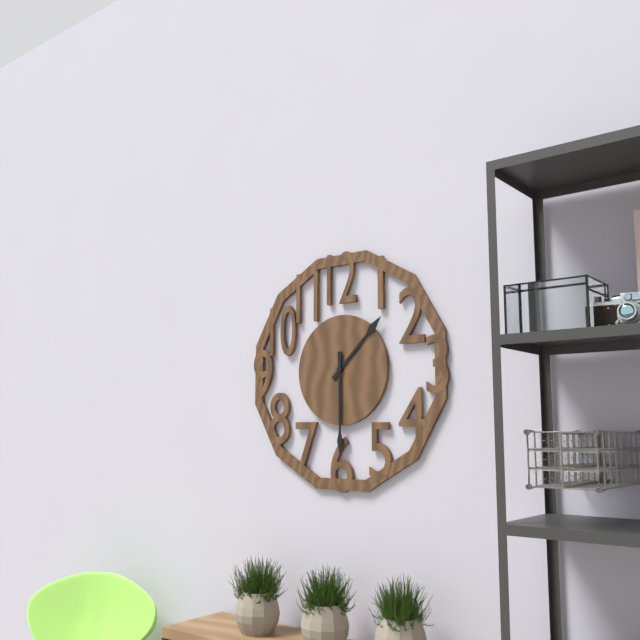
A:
1,30
